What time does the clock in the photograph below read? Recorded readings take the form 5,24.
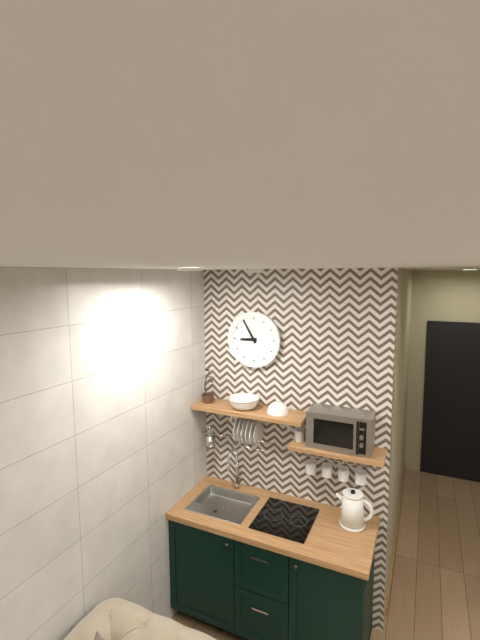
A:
8,55
